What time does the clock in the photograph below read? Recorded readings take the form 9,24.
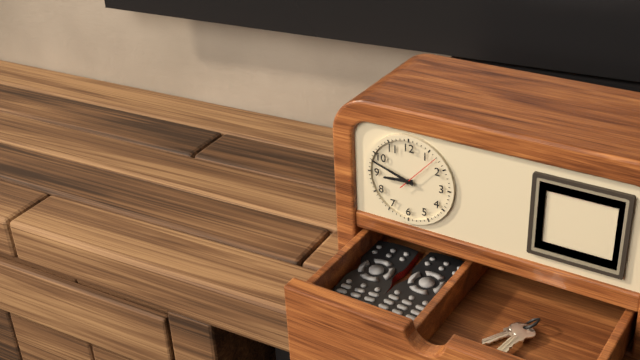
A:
8,48
